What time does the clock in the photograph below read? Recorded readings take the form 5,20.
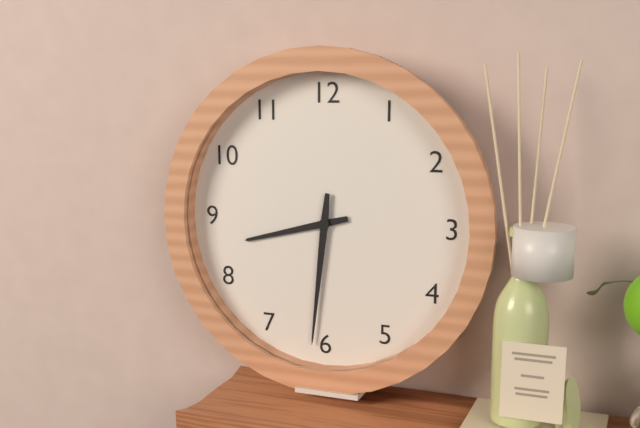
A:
8,31
